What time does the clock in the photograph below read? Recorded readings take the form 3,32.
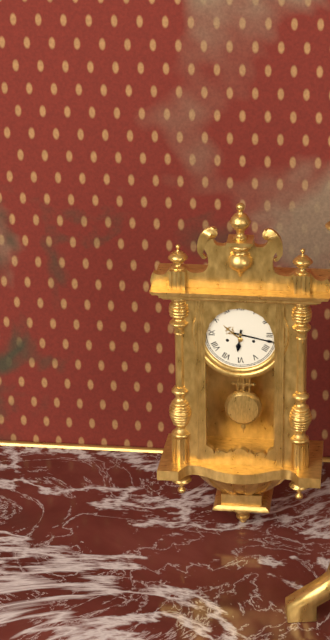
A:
6,17
